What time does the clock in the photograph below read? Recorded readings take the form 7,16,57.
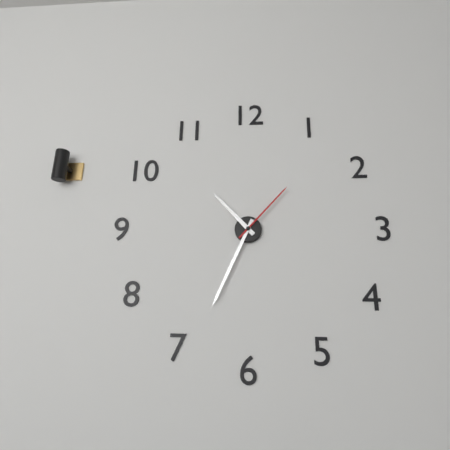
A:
10,34,07
